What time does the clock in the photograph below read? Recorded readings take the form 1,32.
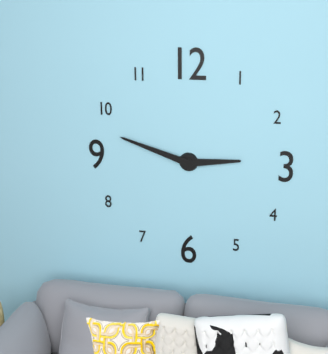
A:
2,48
